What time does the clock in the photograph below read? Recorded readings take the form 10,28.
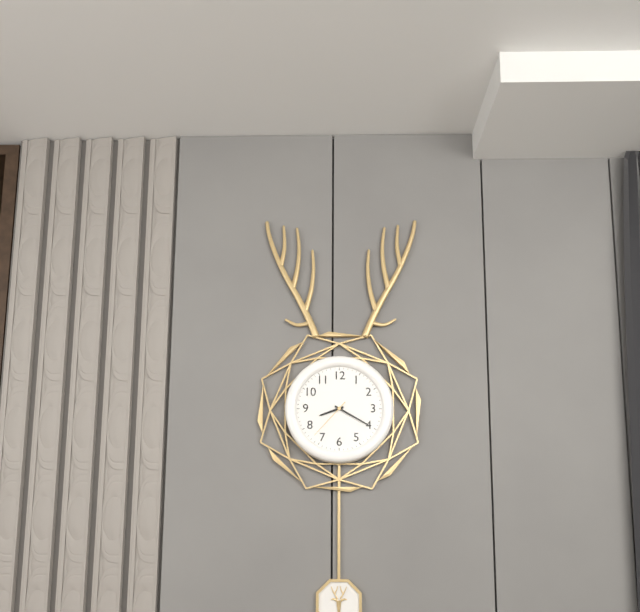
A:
8,20
